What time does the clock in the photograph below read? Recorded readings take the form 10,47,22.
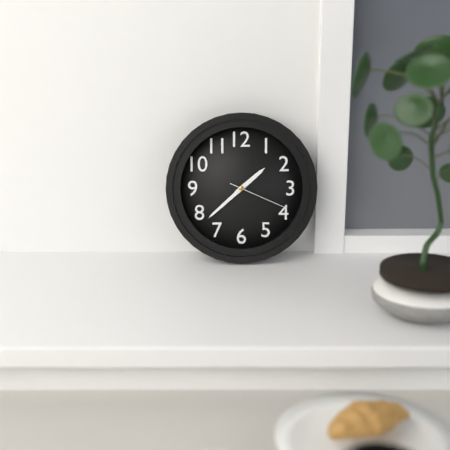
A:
1,38,19
